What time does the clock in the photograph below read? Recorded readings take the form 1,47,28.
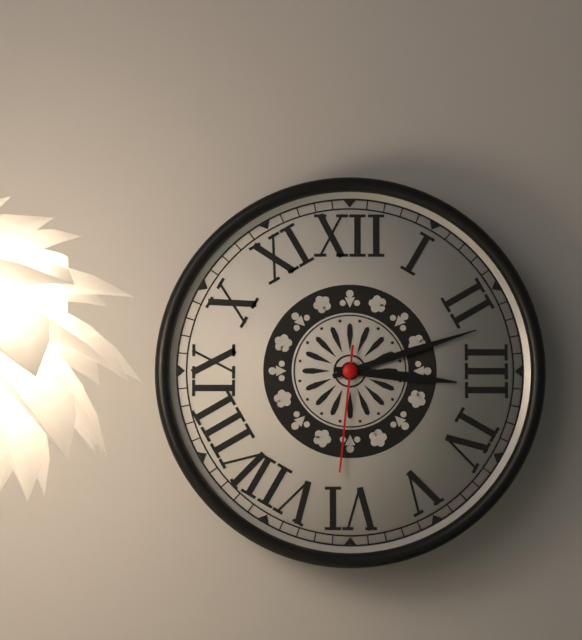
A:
3,12,31
